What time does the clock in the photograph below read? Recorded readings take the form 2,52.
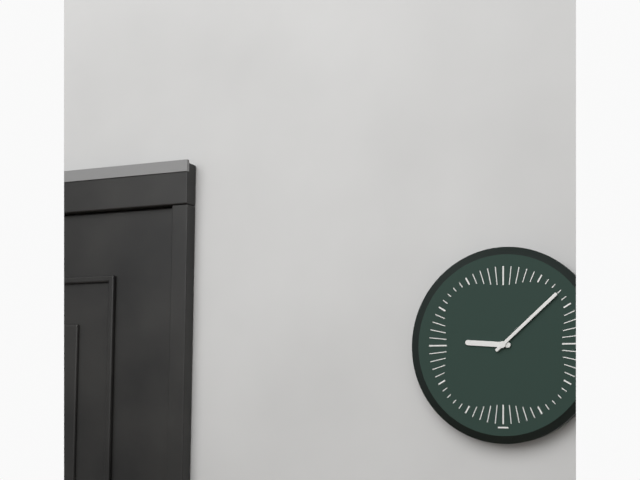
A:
9,08
